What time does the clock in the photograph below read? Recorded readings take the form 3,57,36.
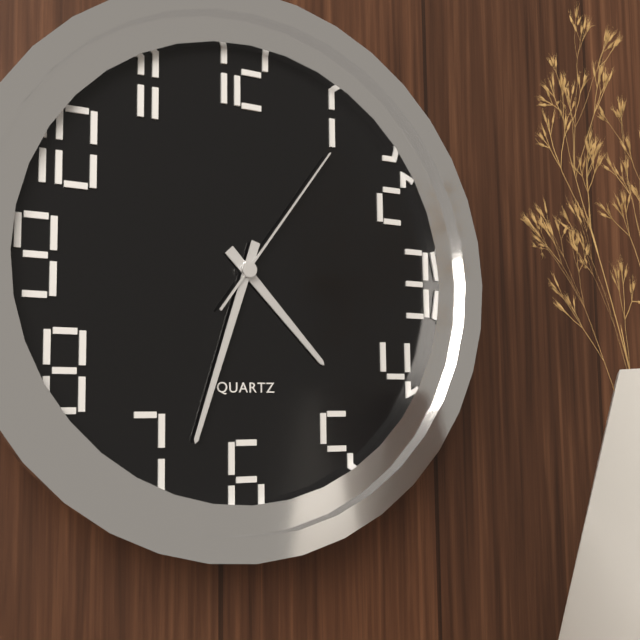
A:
4,33,06
